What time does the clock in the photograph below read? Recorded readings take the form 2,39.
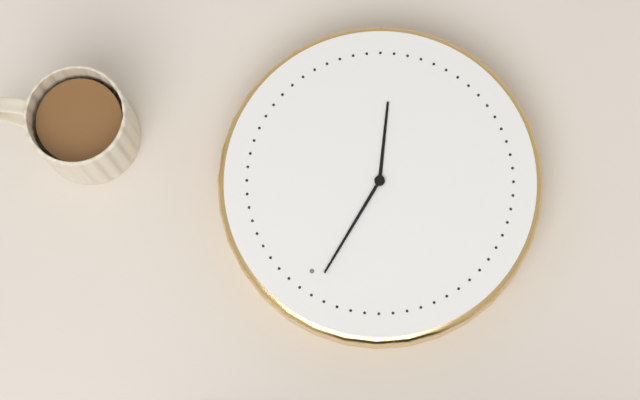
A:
4,59
